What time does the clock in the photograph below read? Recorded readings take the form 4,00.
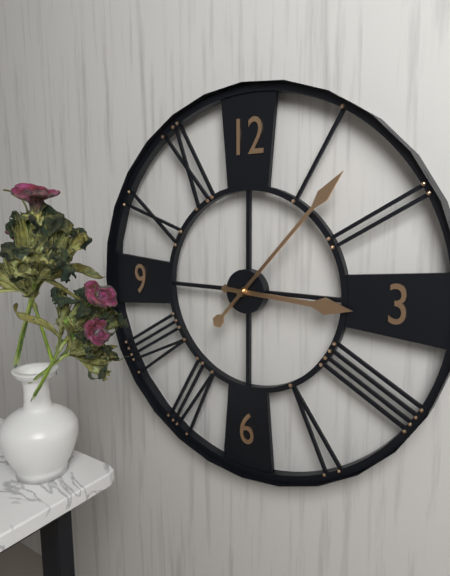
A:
3,07
